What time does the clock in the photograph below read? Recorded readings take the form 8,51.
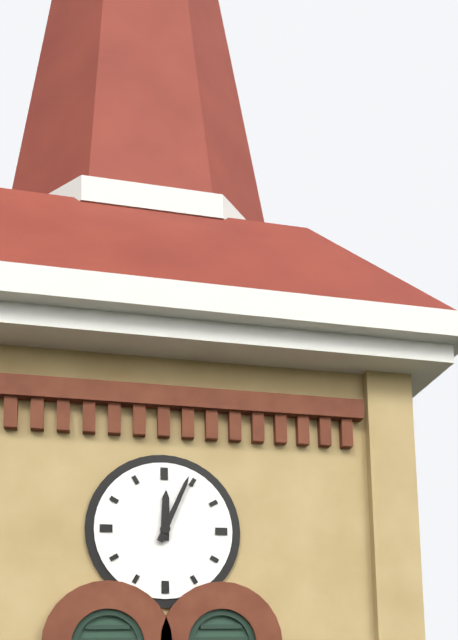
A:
12,04
